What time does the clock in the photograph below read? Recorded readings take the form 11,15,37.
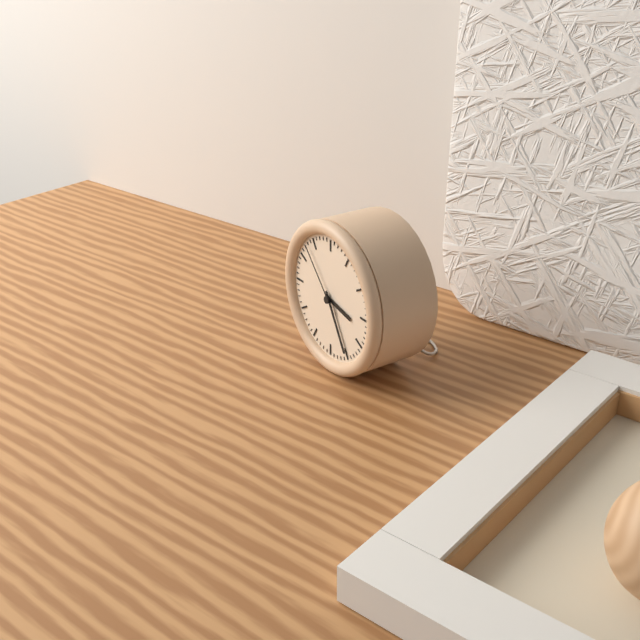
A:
3,25,53
